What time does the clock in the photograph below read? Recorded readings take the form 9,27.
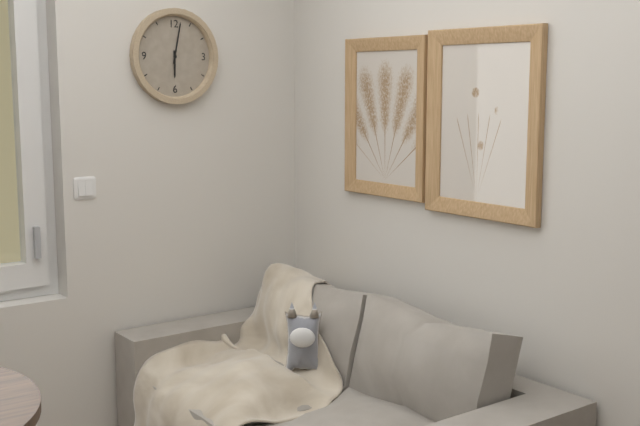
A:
6,02
